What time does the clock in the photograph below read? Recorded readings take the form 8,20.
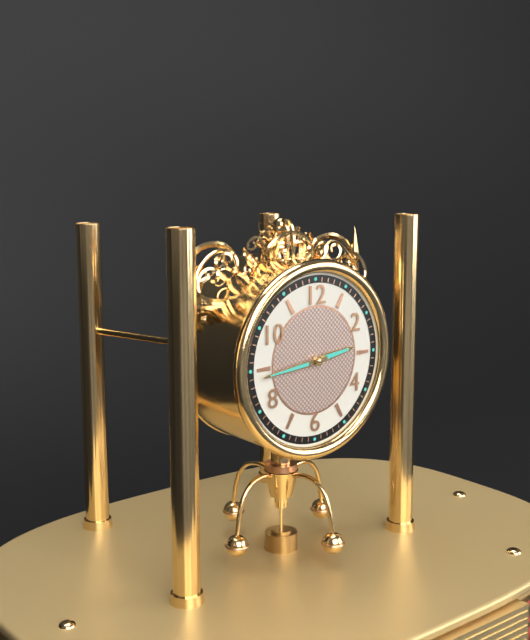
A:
2,44
